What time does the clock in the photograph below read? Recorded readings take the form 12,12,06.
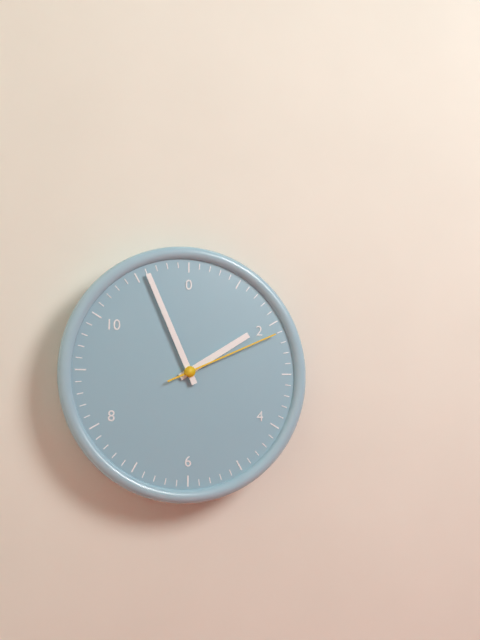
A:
1,56,11
